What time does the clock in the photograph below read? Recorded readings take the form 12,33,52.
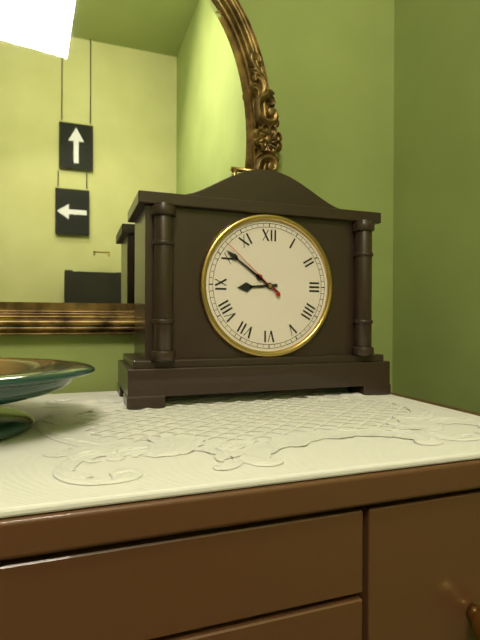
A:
8,51,52
